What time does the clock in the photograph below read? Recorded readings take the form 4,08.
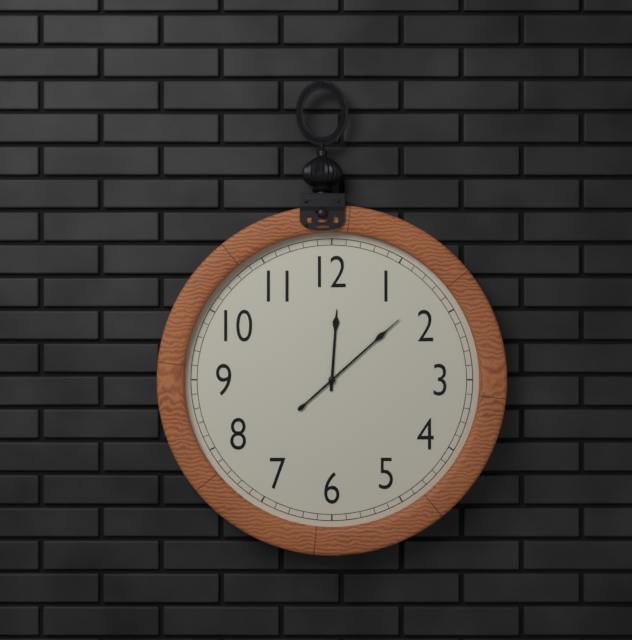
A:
12,08
